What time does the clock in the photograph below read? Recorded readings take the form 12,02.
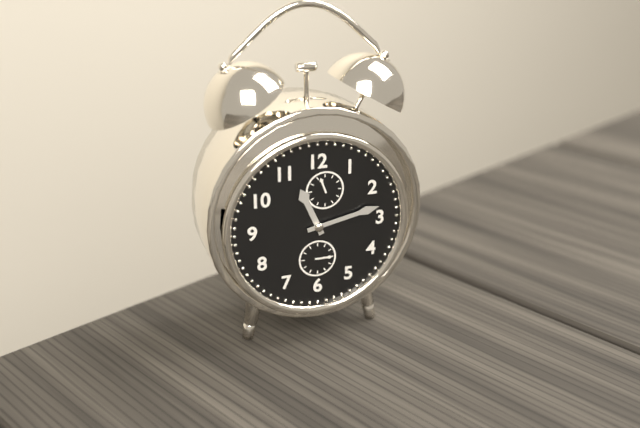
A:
11,13
